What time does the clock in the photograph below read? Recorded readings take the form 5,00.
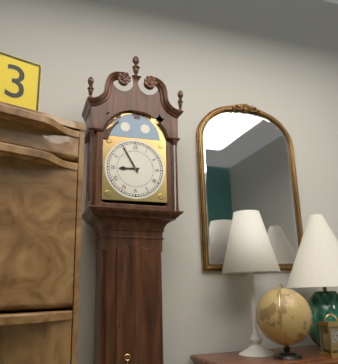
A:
8,55
